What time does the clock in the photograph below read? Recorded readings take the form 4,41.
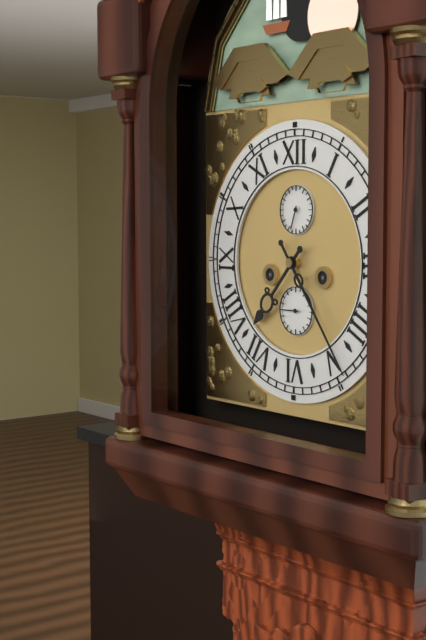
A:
7,24
